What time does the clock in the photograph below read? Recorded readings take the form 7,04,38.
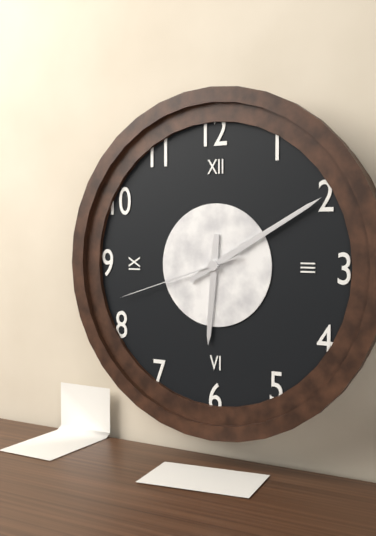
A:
6,10,42
